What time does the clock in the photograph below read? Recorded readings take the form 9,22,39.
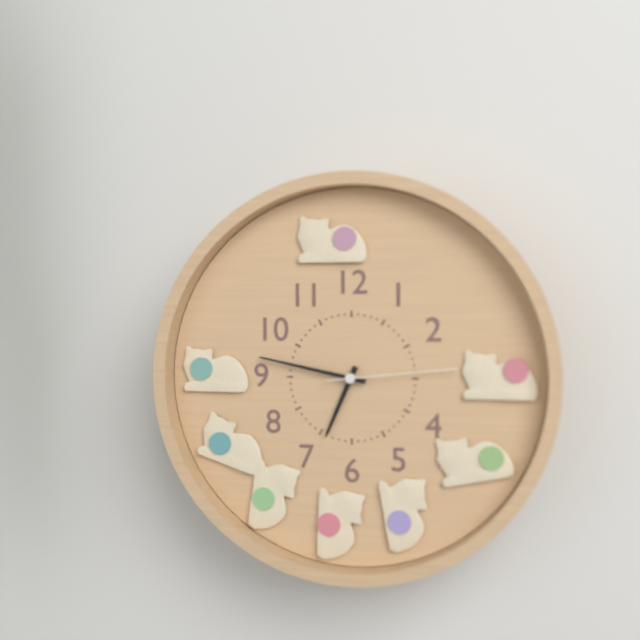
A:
6,47,14
